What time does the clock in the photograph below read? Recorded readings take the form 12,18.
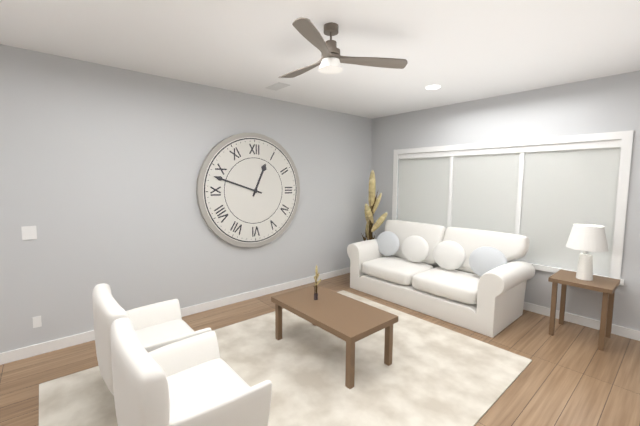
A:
12,48
